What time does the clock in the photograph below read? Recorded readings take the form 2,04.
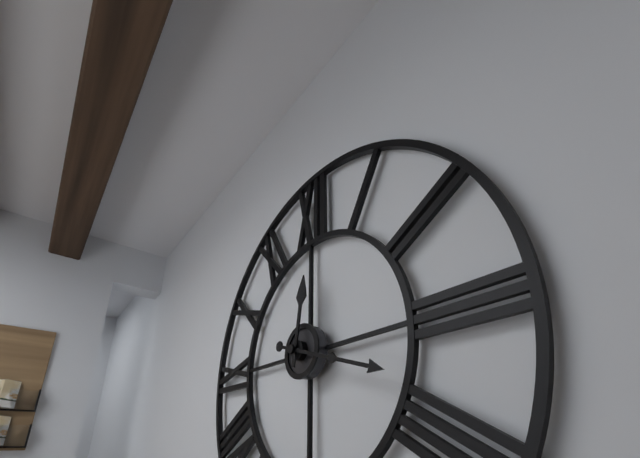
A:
12,18
